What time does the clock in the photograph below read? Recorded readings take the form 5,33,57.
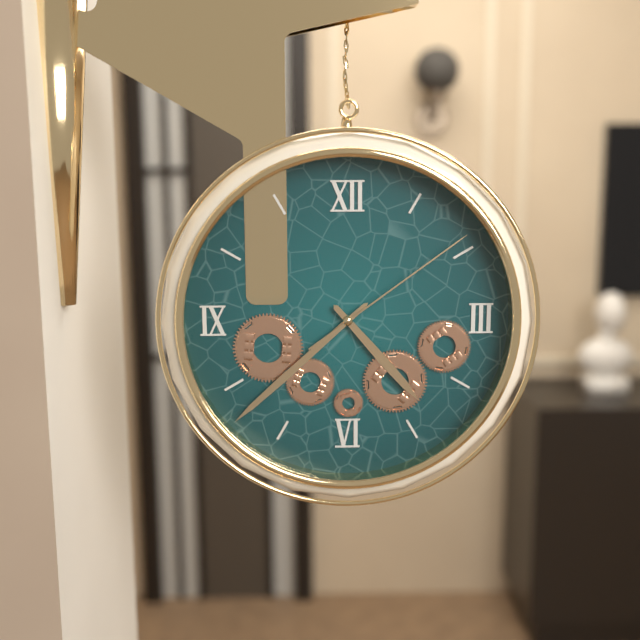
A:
4,38,09
